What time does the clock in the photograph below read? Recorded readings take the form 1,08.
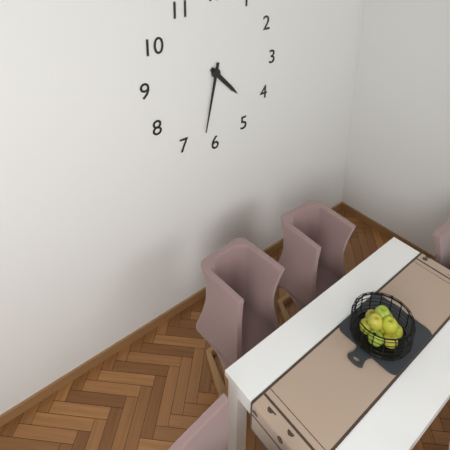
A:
4,32
